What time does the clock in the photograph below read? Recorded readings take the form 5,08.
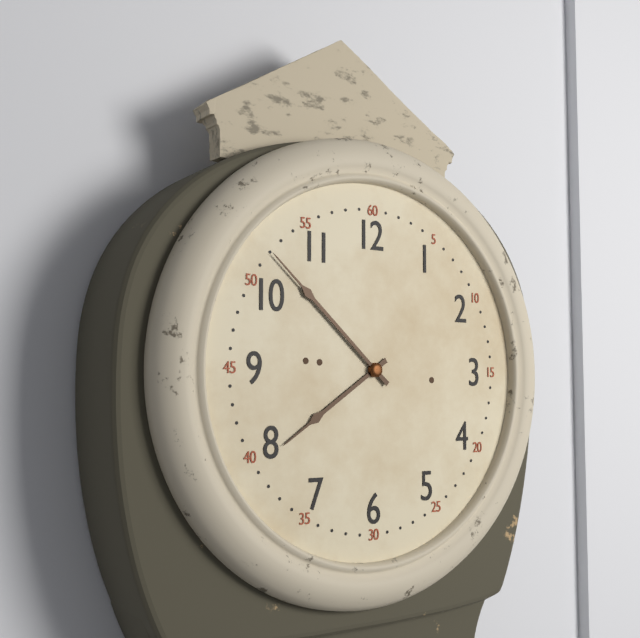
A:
7,52
